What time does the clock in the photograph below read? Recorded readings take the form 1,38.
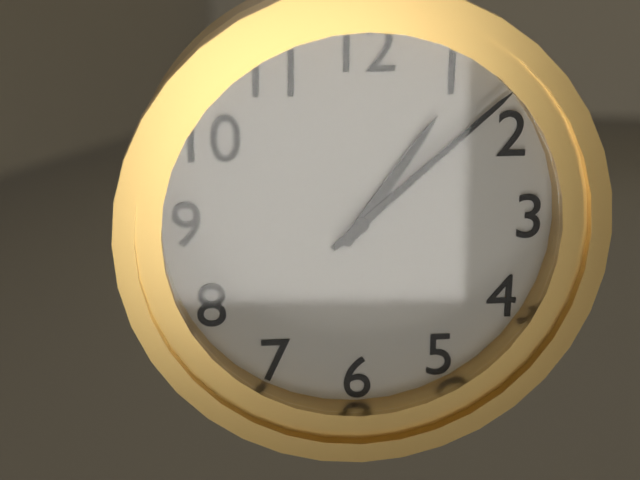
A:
1,08
